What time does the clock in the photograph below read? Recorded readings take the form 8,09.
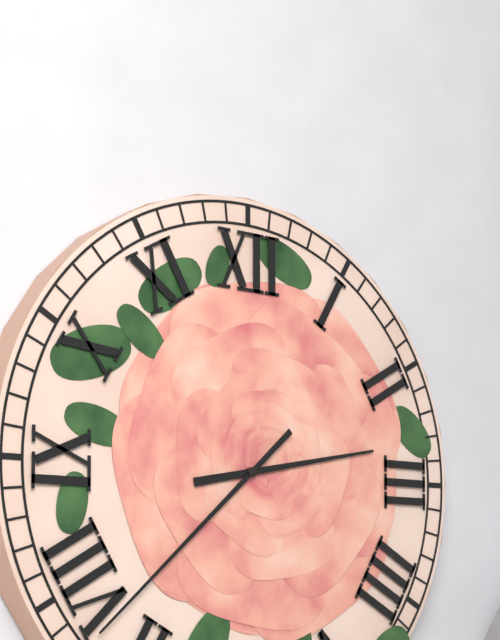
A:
2,38
